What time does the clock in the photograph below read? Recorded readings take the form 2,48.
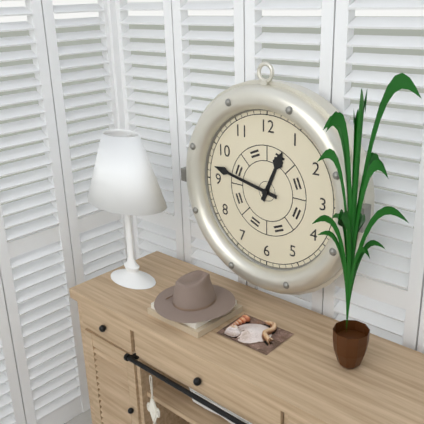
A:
12,47
